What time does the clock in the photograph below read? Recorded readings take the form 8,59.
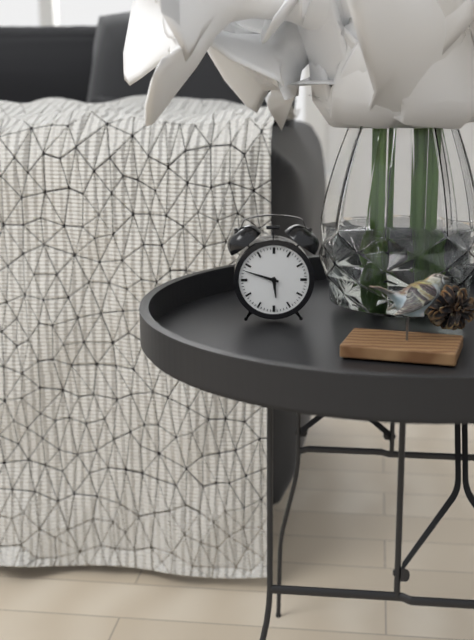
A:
5,48
